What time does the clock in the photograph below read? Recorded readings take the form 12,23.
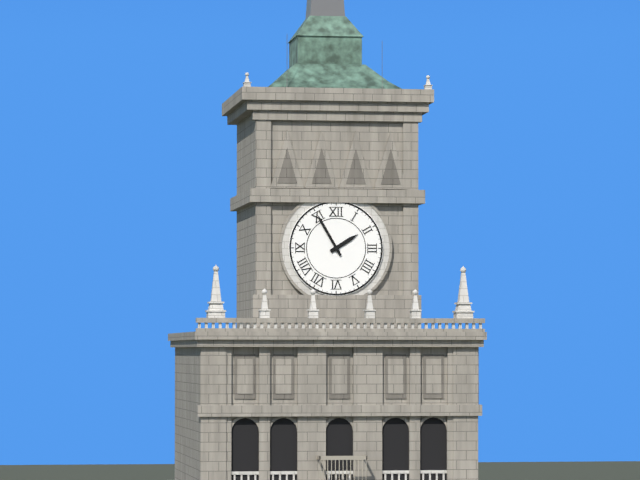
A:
1,55
